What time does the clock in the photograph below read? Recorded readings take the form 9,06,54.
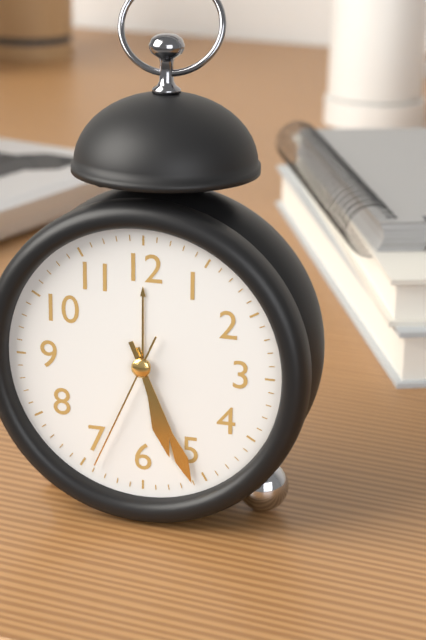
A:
5,26,34
